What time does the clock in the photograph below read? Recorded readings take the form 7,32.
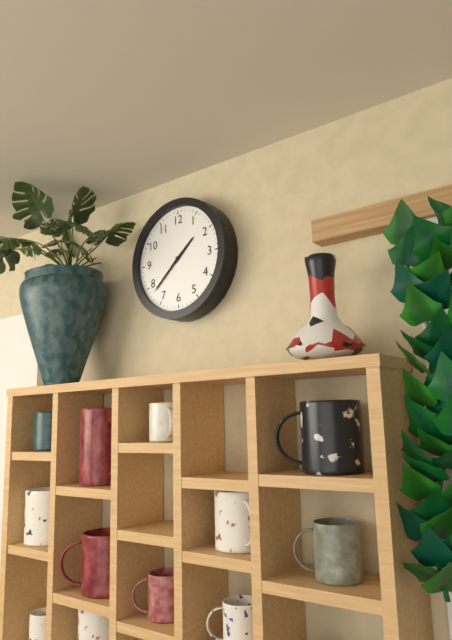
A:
1,38
